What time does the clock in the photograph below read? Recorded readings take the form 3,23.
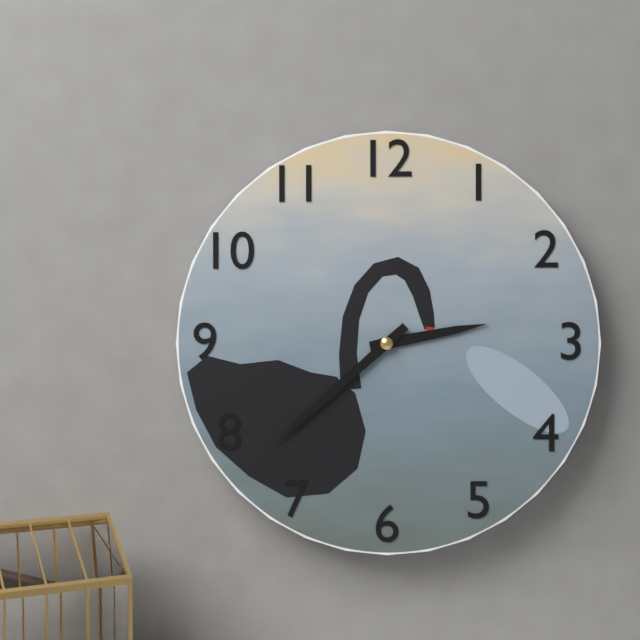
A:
2,38
